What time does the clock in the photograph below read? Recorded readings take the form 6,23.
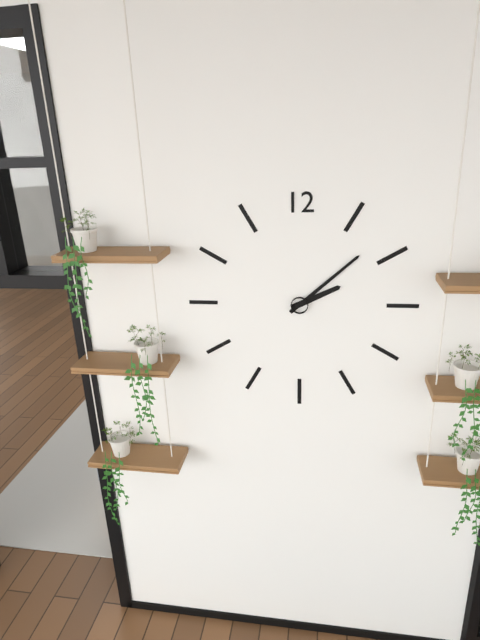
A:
2,08
